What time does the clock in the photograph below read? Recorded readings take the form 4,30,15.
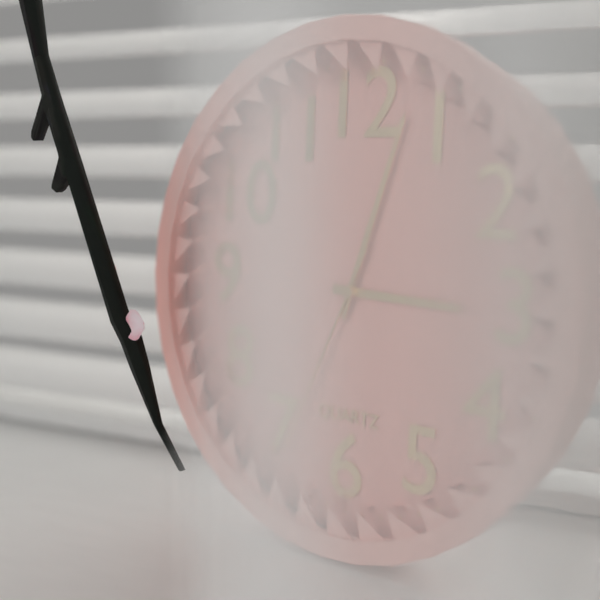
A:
3,03,34
